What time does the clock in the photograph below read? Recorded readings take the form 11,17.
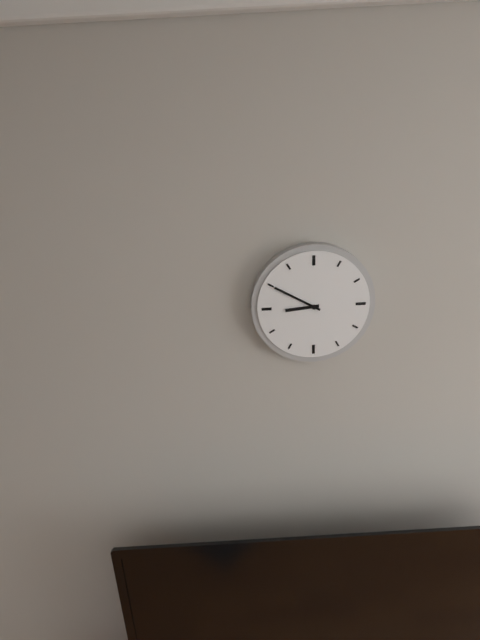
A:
8,50
